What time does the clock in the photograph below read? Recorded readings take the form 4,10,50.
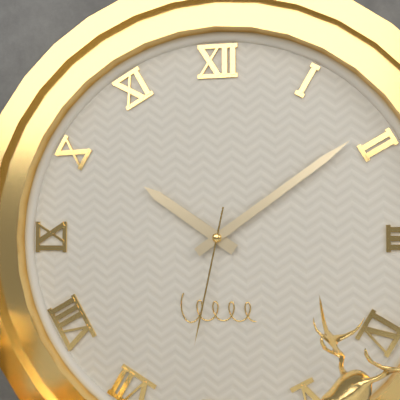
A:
10,09,32
